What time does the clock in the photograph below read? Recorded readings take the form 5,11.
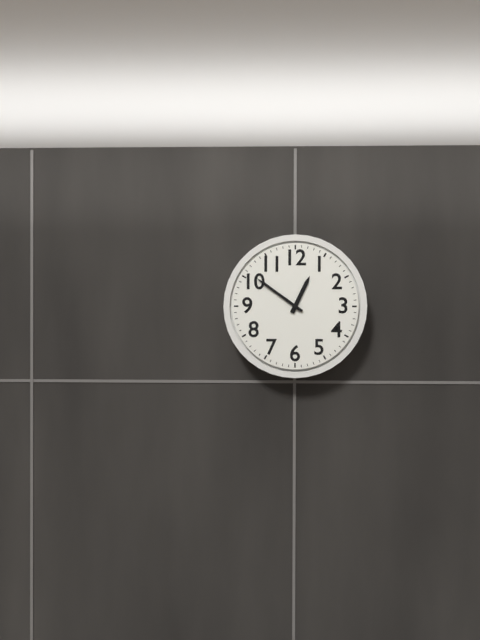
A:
12,51
